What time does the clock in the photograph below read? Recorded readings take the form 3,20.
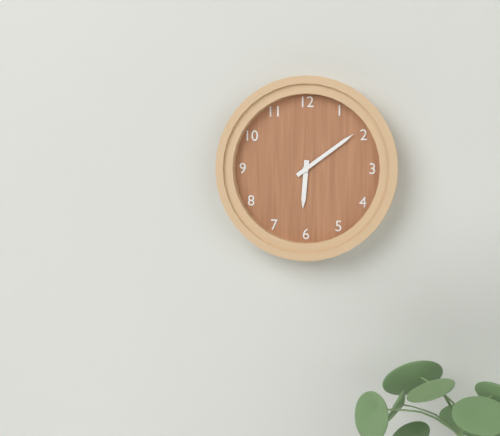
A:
6,09
